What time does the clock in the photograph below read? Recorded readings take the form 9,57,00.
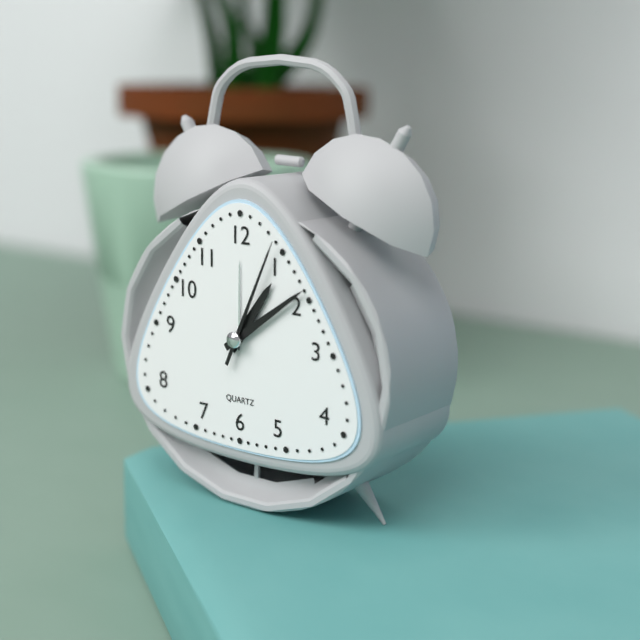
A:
1,09,04
